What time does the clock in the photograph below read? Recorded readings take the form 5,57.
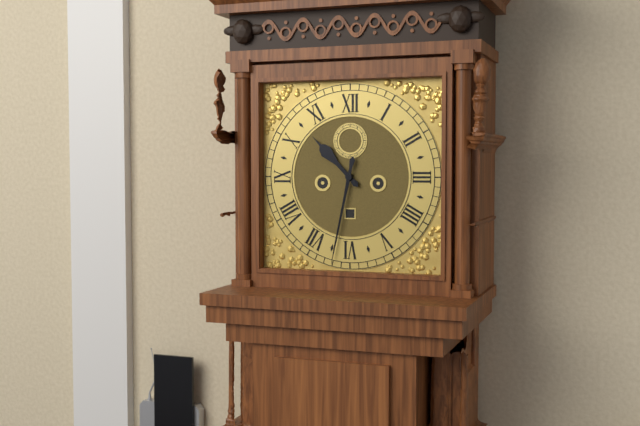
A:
10,32
